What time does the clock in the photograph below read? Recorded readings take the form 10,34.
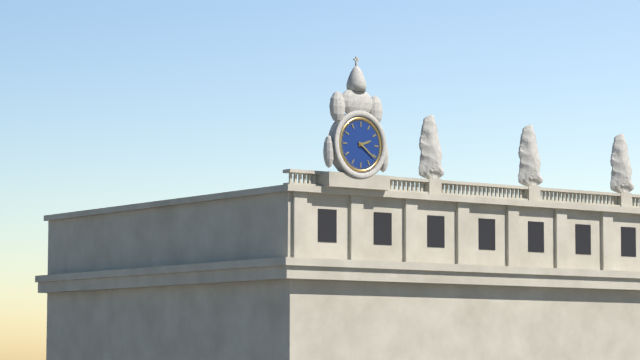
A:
2,21
